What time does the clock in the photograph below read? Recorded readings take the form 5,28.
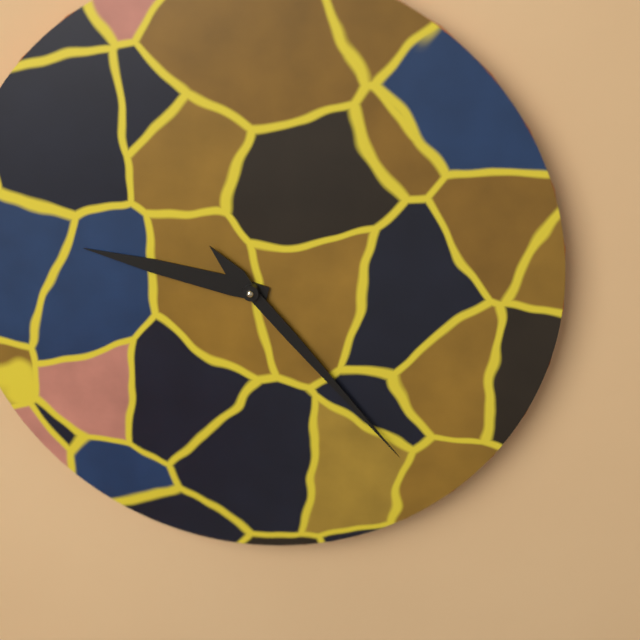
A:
9,23
